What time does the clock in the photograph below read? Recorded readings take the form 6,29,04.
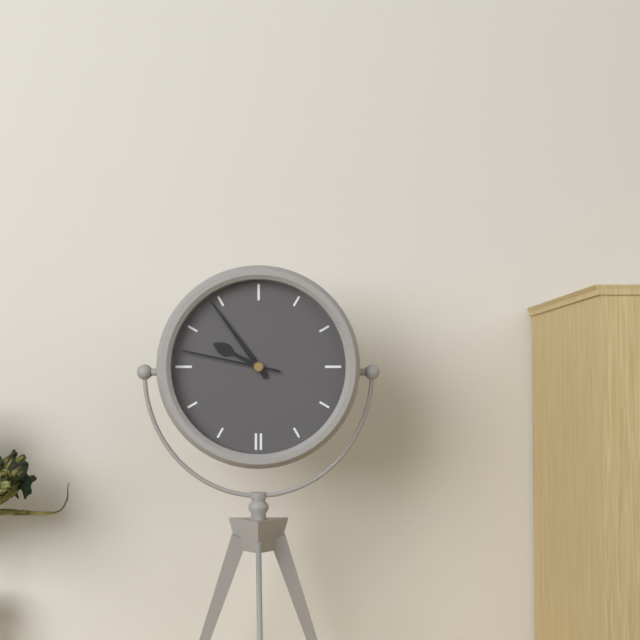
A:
9,54,47
